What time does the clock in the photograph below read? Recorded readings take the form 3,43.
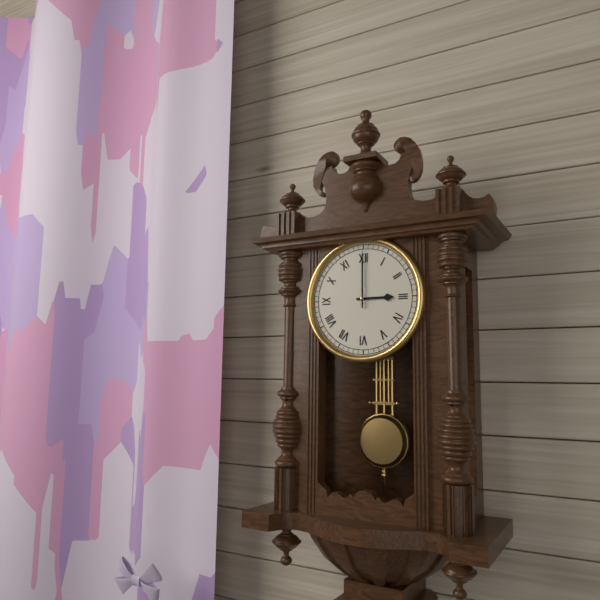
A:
3,00
